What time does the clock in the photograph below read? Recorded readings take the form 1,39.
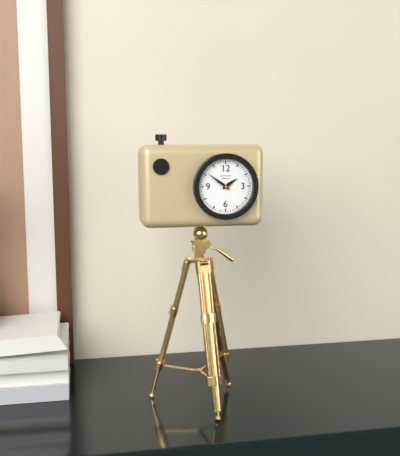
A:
1,51
